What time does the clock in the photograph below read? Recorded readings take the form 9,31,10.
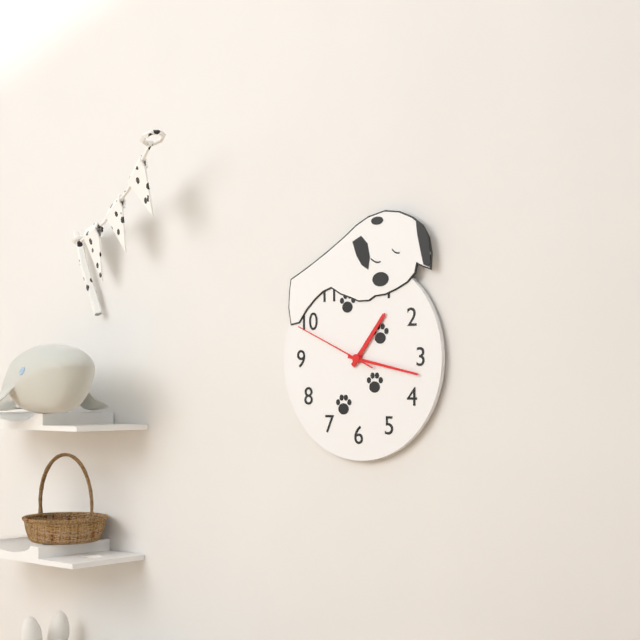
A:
1,17,49
